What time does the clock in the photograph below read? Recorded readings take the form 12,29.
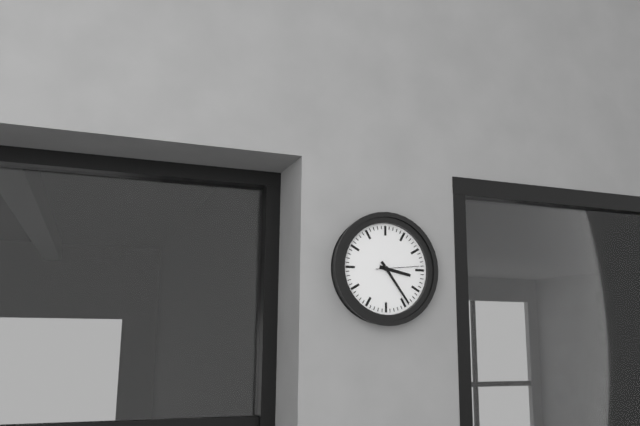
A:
3,24
